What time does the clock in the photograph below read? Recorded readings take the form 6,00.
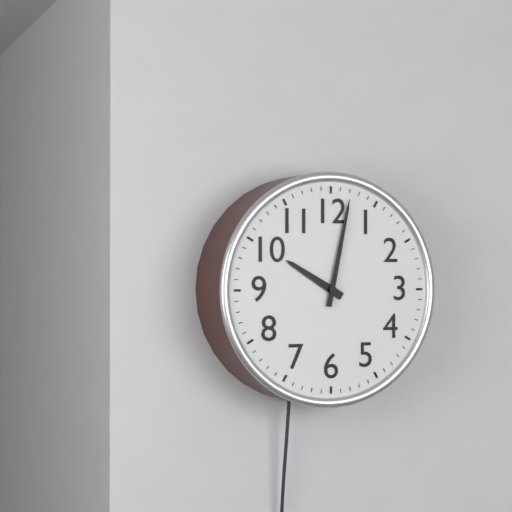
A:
10,02
